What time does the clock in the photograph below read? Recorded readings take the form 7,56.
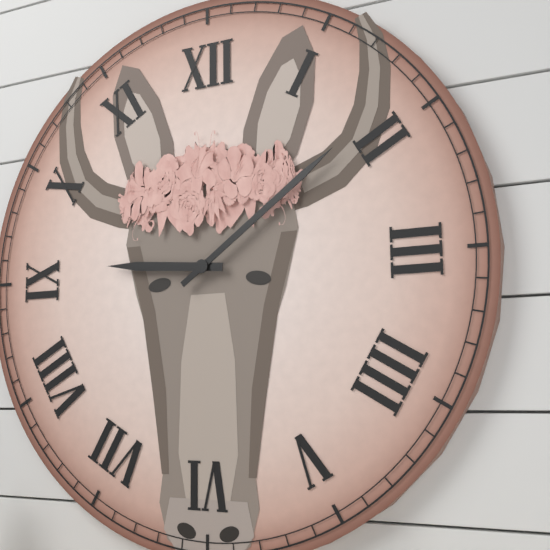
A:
9,09
